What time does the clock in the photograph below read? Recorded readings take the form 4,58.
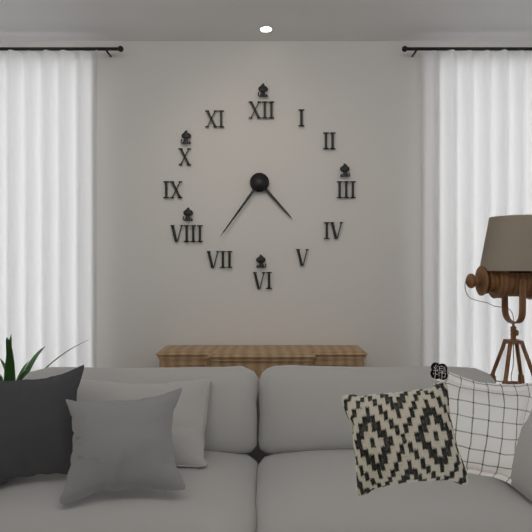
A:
4,36
